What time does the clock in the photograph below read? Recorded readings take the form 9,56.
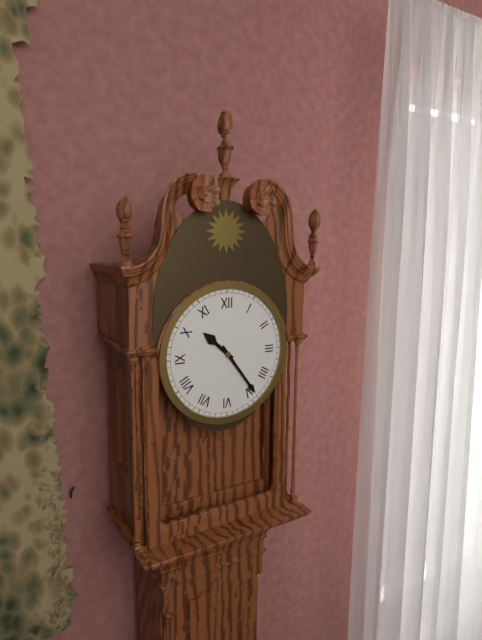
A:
10,24
